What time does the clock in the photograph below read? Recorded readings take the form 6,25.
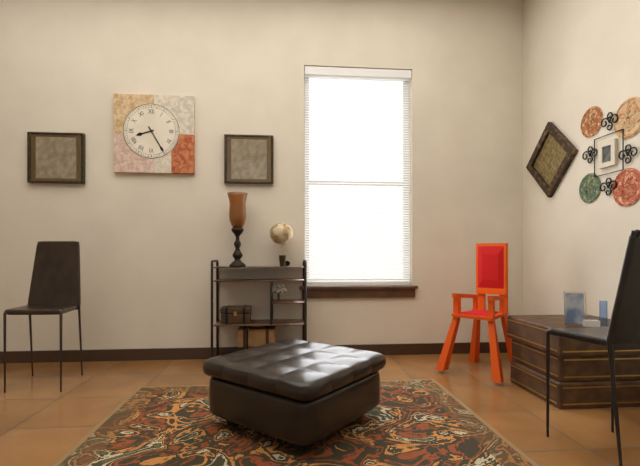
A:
8,25
